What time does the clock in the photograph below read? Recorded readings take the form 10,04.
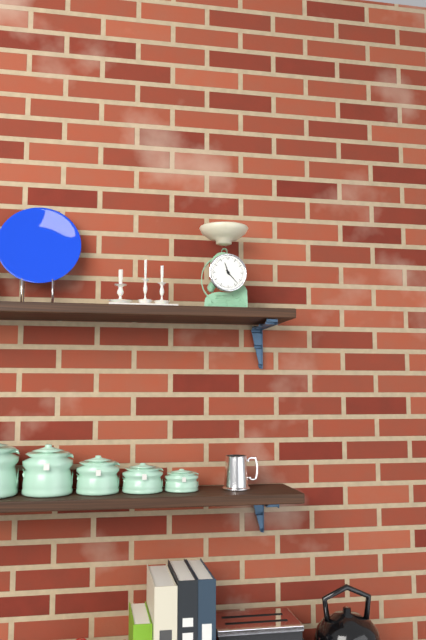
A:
11,23
